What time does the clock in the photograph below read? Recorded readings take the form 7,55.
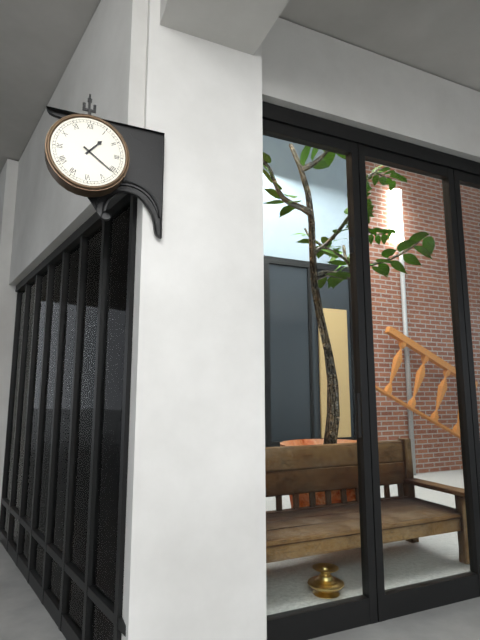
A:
1,21
